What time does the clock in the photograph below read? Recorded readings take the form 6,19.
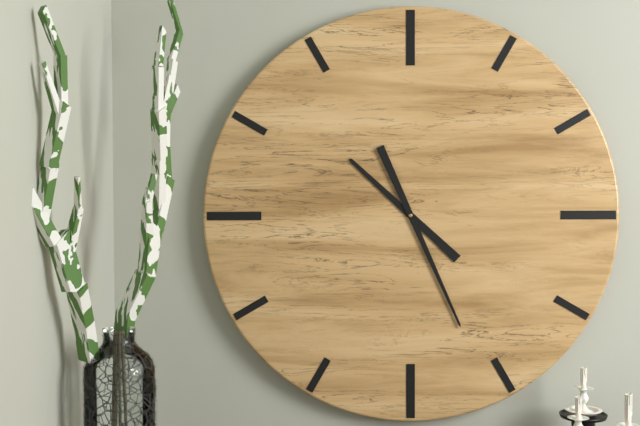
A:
10,26
